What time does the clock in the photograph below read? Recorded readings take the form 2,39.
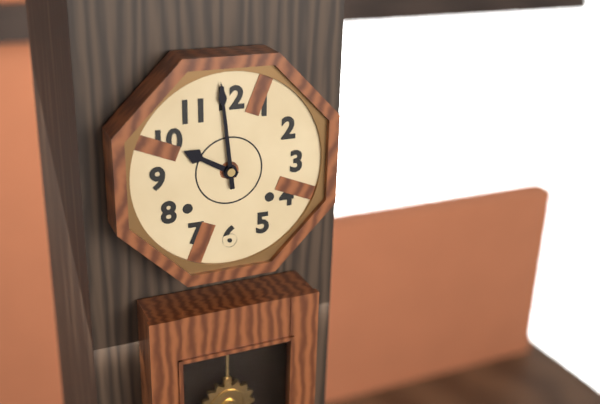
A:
9,59
